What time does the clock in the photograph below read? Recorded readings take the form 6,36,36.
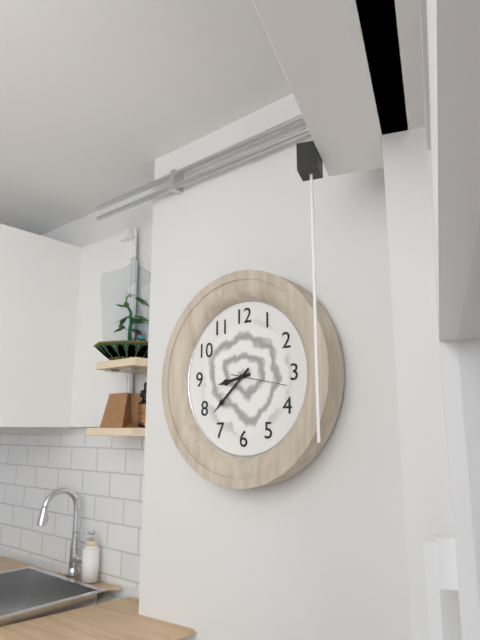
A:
8,38,17
